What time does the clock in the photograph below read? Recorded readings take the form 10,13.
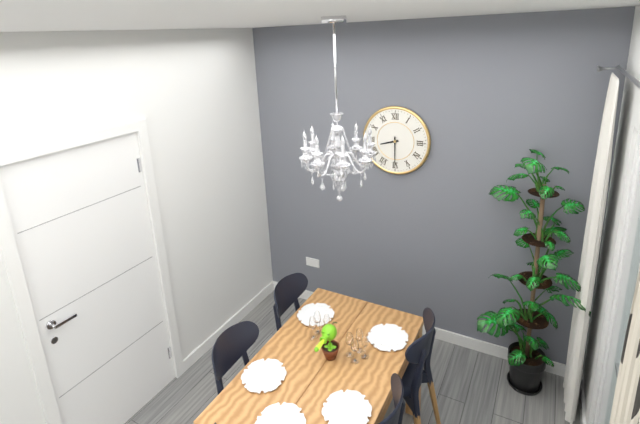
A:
8,30
